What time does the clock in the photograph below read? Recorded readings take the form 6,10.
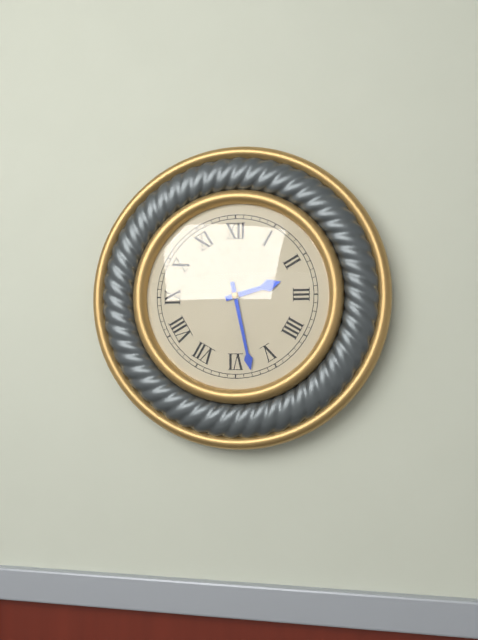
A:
2,28
